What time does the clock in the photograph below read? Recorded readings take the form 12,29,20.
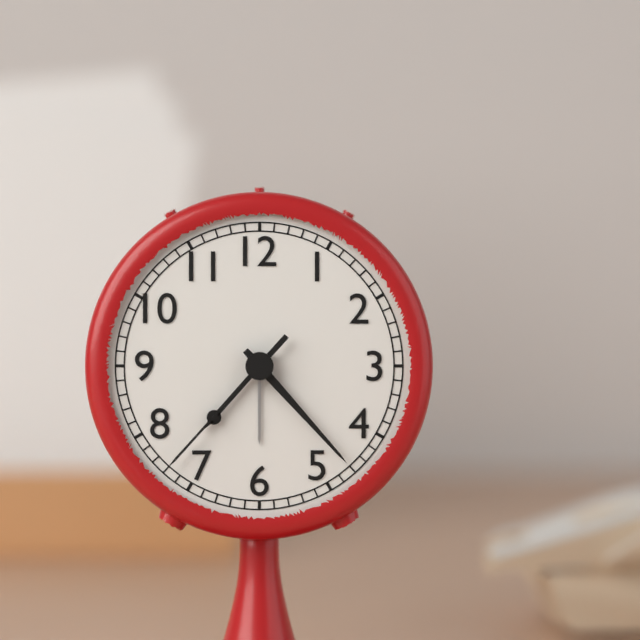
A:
7,23,37
